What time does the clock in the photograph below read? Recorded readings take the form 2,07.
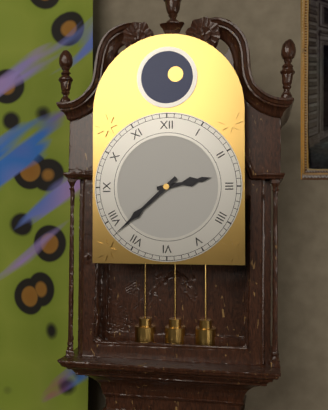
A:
2,38
